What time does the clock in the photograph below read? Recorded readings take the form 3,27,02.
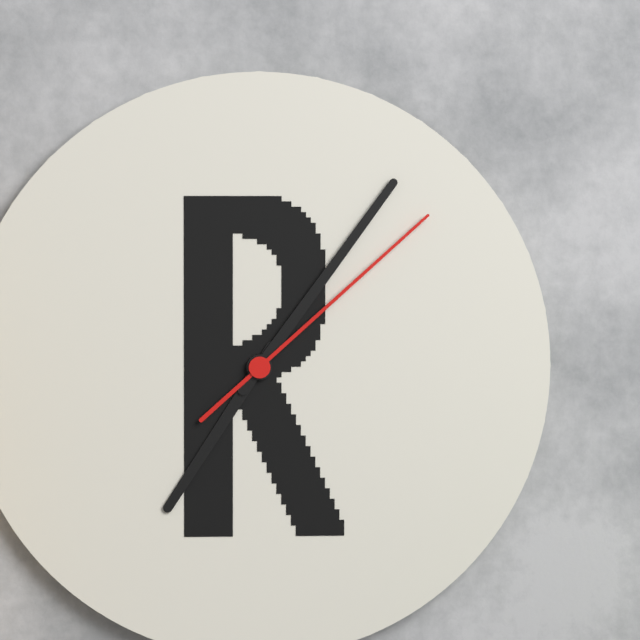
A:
7,06,08
